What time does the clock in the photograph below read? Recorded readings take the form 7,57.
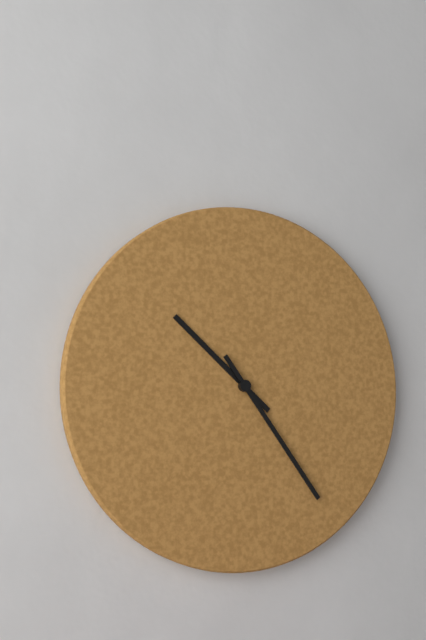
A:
10,24
